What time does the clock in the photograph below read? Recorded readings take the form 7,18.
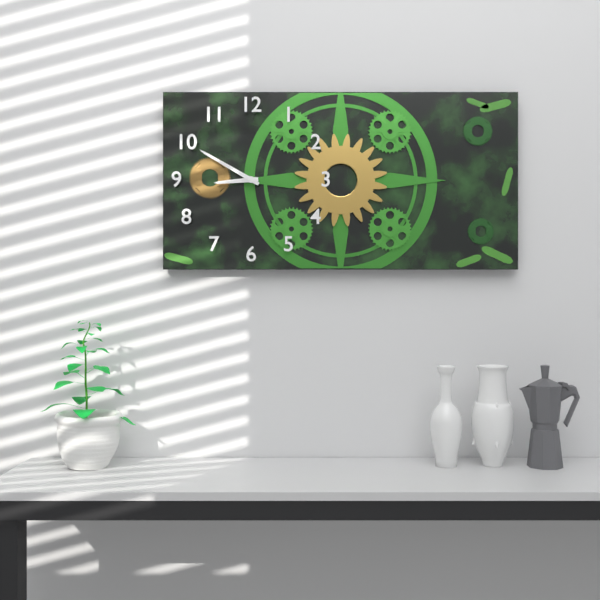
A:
8,50
